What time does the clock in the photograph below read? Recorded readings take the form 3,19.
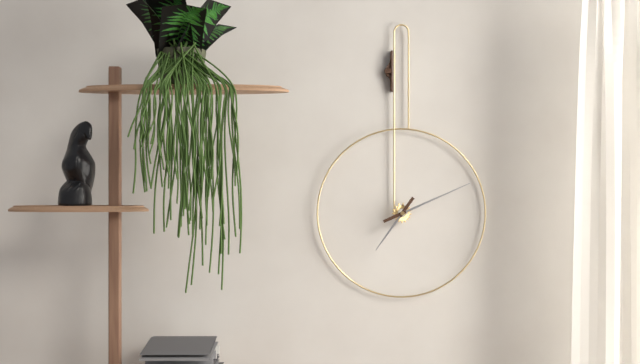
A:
7,11
